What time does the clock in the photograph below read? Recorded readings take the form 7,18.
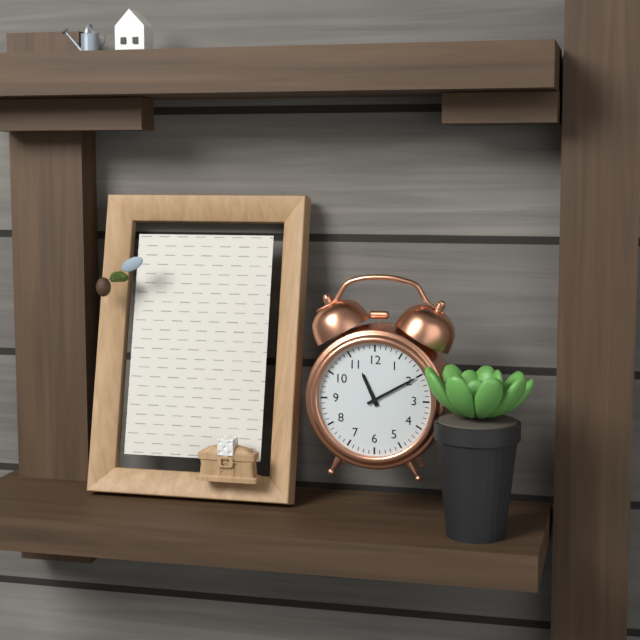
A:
11,10
